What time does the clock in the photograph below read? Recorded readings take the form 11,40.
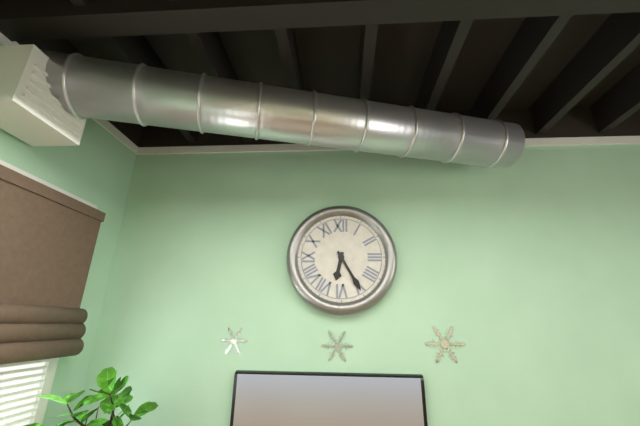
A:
6,25
